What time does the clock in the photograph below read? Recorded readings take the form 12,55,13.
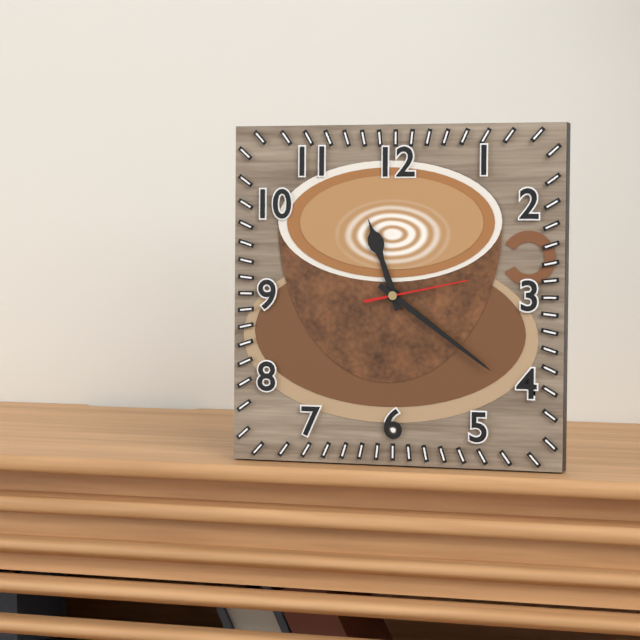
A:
11,21,13
